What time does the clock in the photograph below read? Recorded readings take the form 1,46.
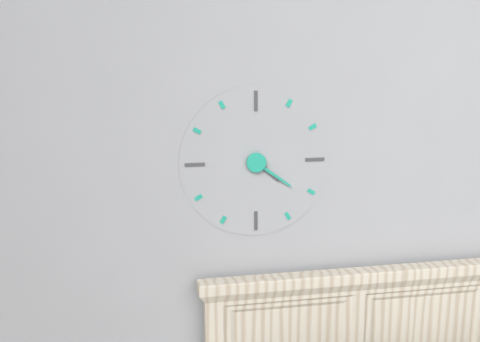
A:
4,21
